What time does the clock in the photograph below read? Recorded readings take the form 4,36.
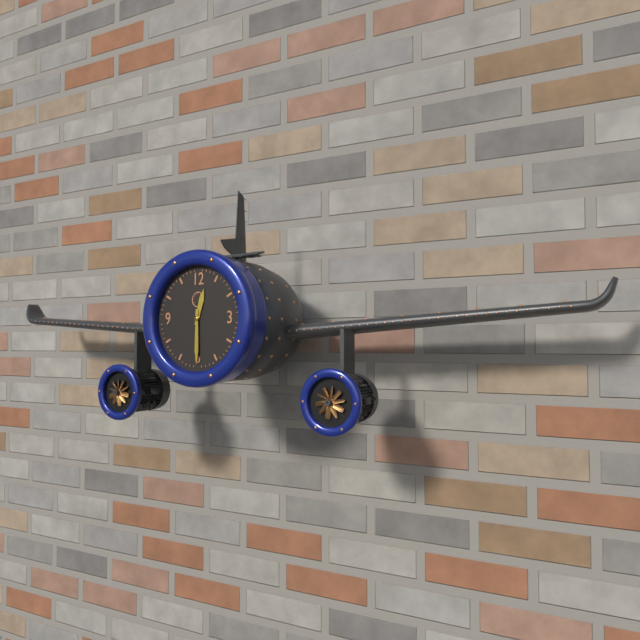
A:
12,30
